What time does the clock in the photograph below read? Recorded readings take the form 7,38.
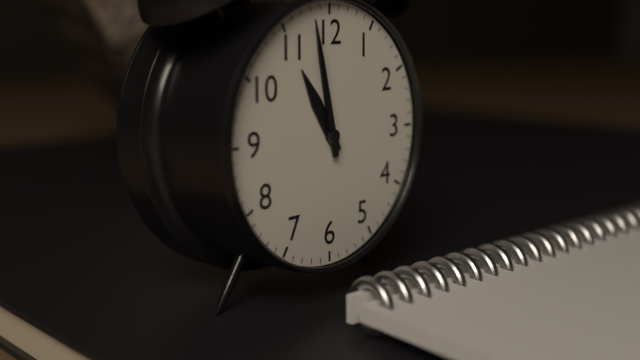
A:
10,58
